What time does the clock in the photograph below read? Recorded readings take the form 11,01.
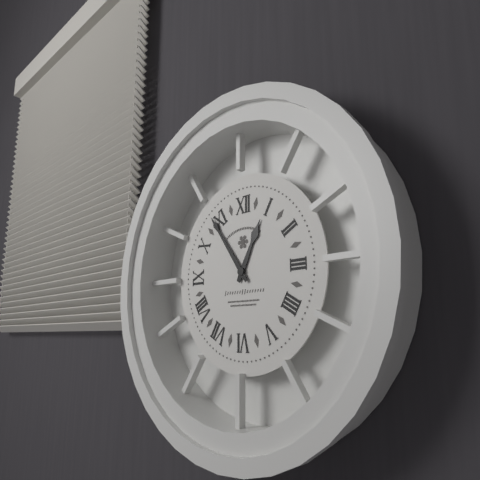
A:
12,54
